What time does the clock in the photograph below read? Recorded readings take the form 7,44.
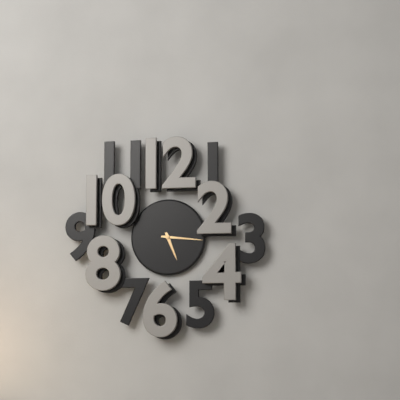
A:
5,16
